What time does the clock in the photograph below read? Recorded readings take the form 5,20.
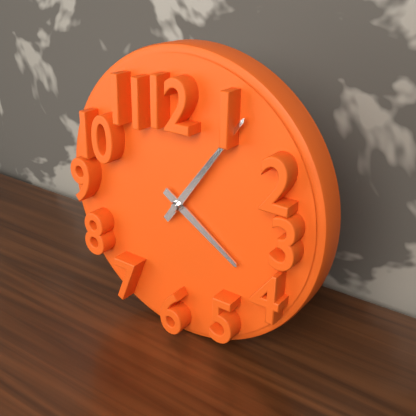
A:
4,06
